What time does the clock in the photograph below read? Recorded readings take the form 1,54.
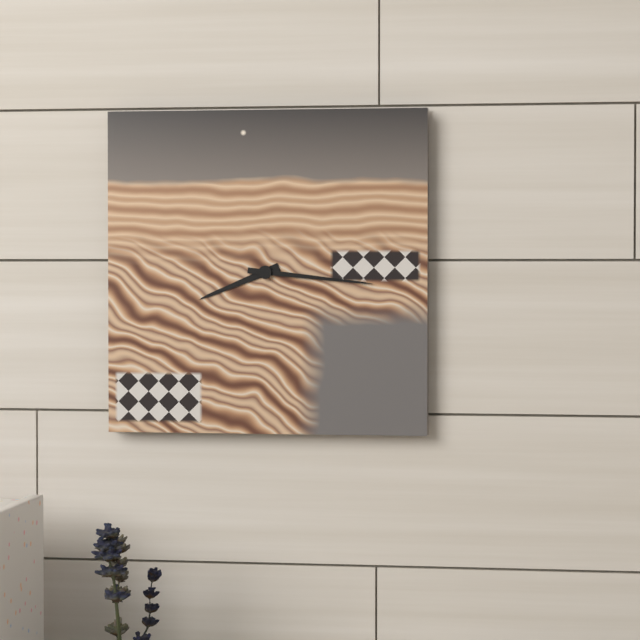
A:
8,16
